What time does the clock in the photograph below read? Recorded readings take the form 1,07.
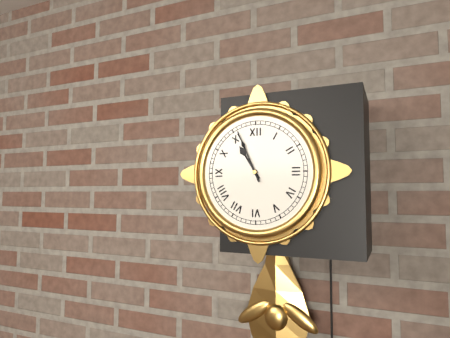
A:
10,56
